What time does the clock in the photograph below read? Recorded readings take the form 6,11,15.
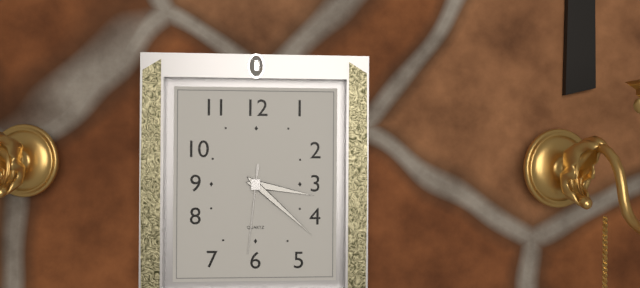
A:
3,22,31
